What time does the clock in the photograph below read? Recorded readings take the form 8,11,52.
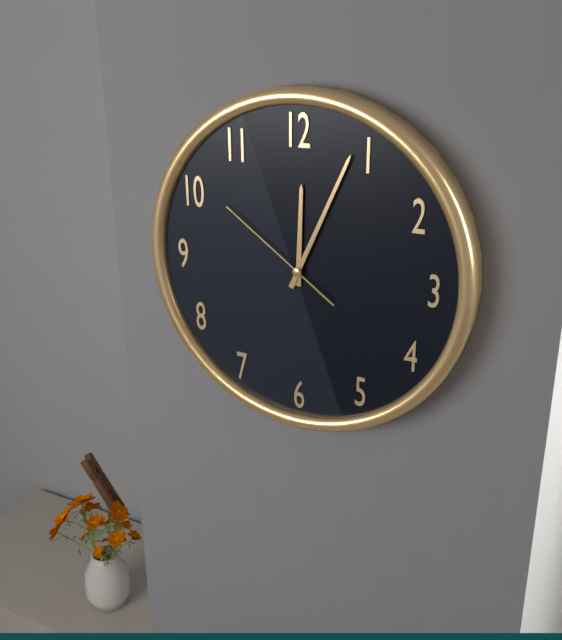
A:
12,04,51
